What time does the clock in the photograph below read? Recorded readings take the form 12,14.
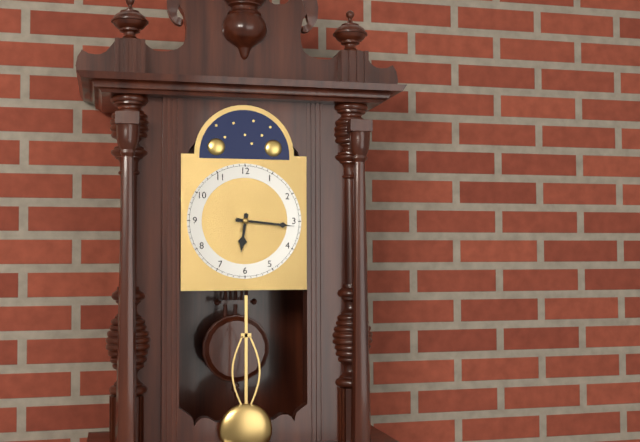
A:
6,16
